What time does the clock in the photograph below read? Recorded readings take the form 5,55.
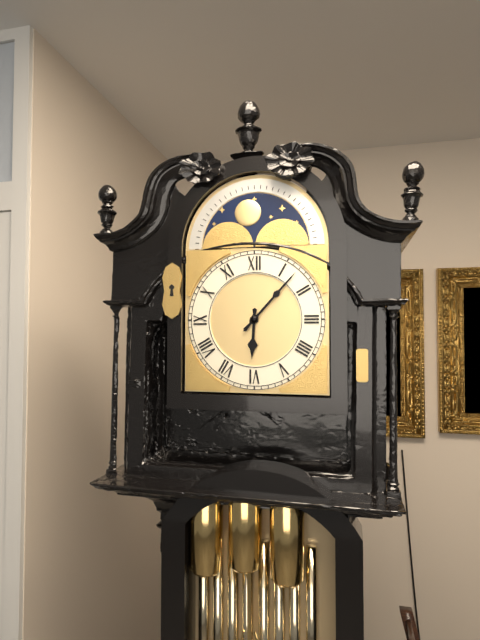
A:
6,07
